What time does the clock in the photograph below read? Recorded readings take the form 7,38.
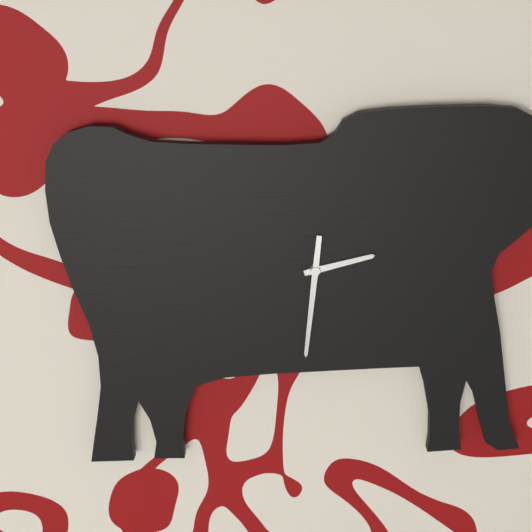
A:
2,31
